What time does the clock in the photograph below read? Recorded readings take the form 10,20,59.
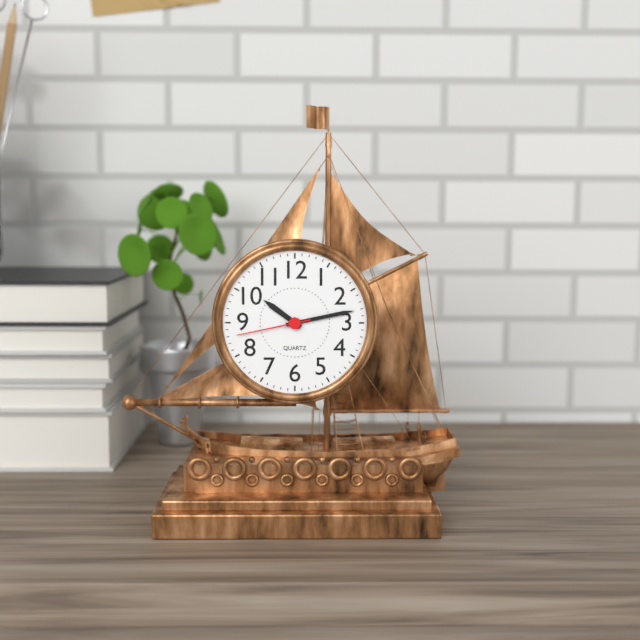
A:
10,13,43
